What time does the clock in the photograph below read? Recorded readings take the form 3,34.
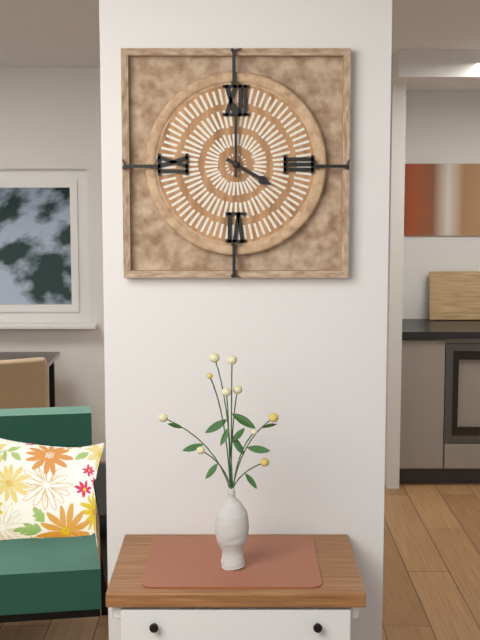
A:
4,00
